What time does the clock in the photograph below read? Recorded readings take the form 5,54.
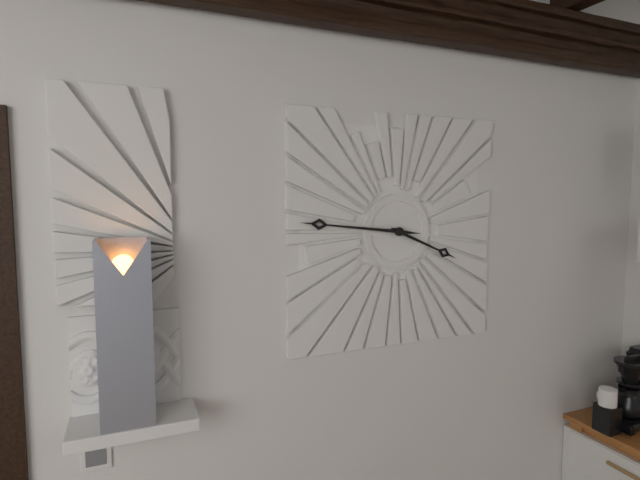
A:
3,46
